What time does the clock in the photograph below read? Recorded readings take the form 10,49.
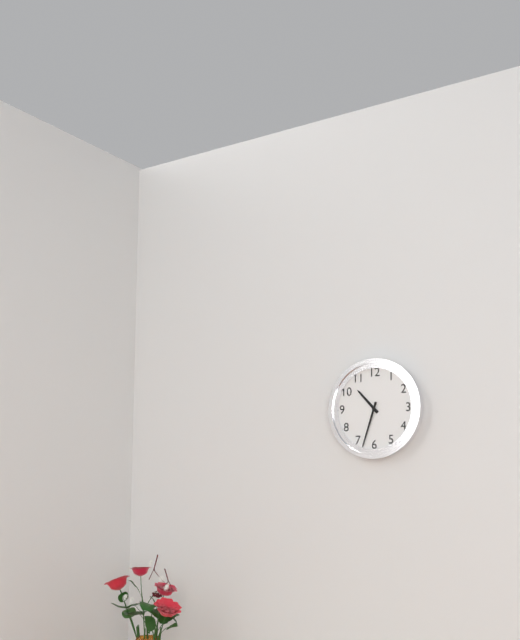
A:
10,33
